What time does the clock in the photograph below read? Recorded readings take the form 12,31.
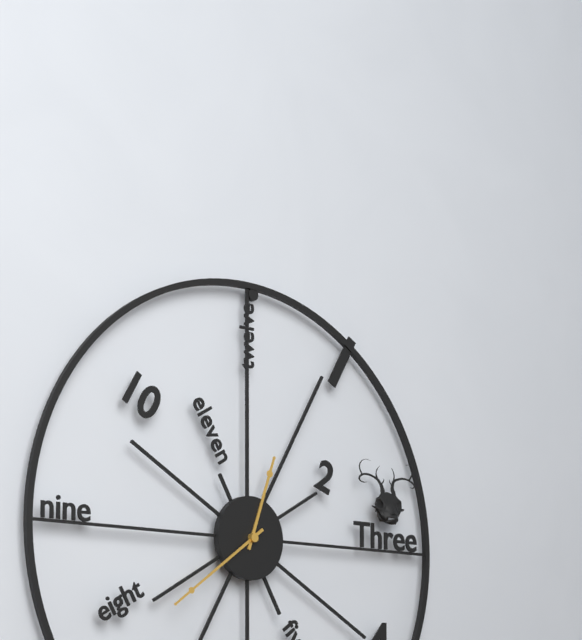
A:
12,39
